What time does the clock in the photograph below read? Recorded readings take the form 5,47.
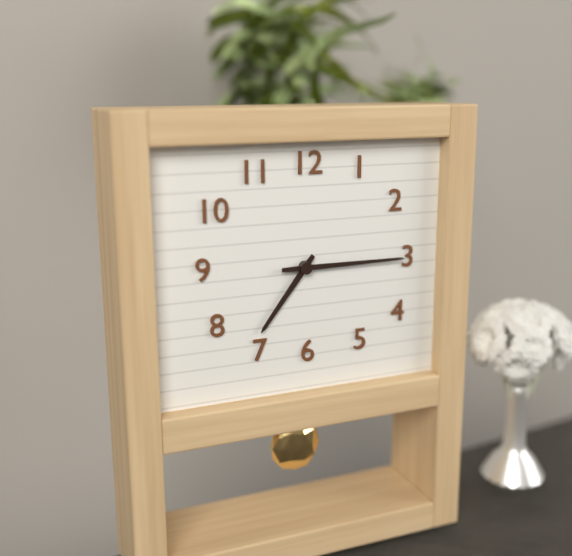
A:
7,15
